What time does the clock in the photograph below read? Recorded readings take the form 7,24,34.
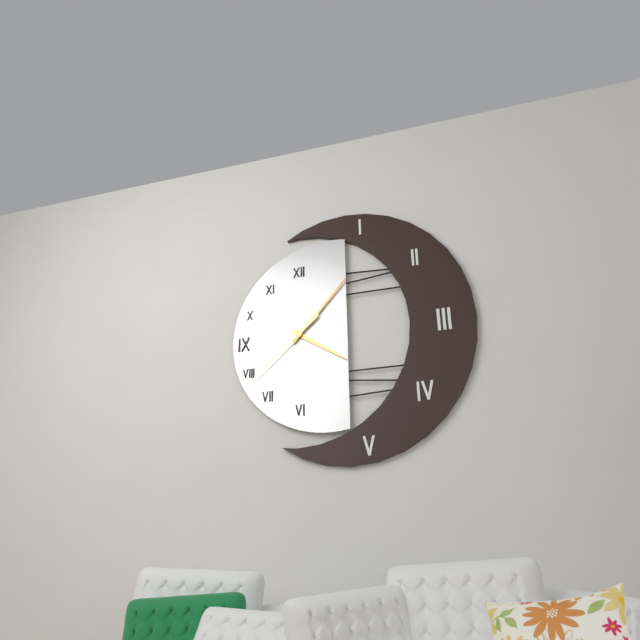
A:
4,07,38
